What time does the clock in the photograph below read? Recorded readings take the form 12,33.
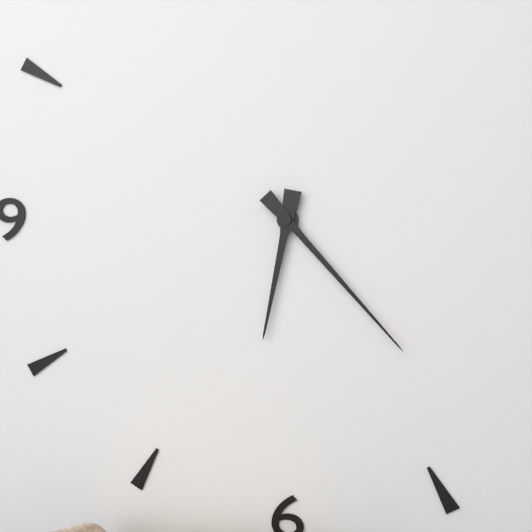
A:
6,23
